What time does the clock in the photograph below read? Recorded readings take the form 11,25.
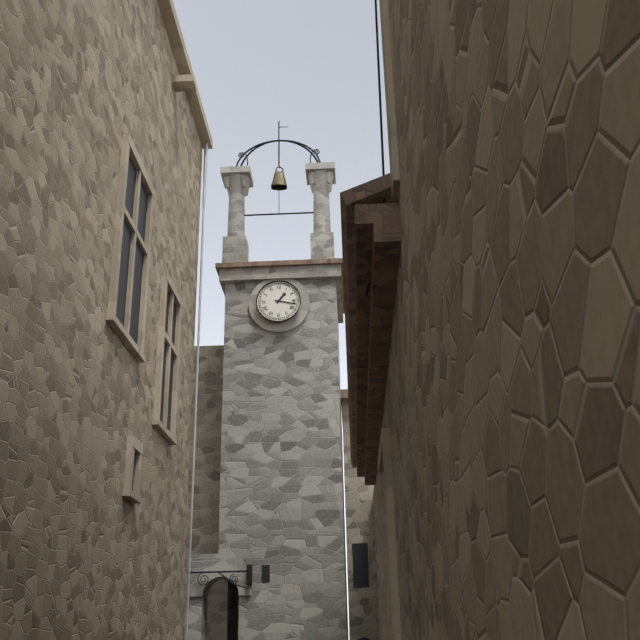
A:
1,17
